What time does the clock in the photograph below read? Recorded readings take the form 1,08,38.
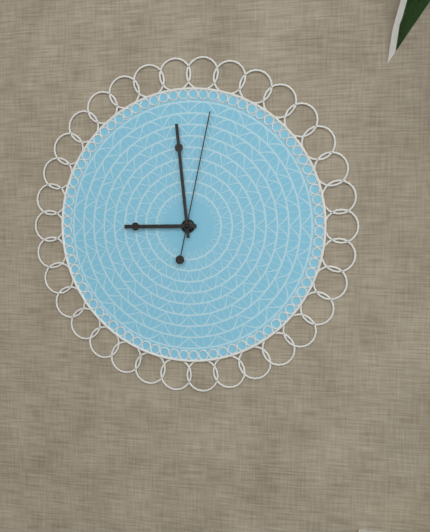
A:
8,59,02
